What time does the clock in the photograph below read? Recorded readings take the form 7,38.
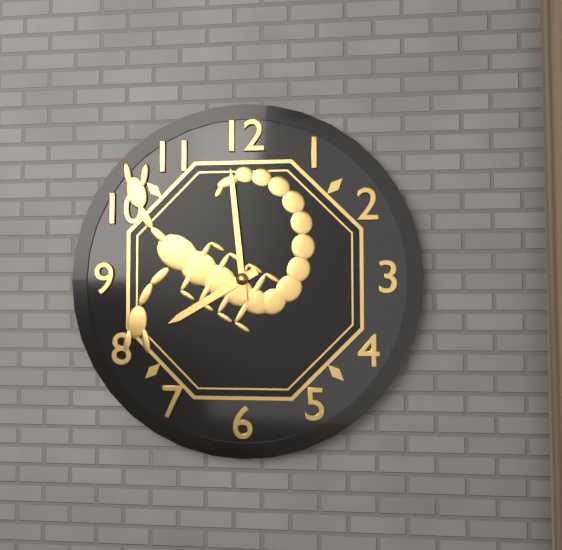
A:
7,59
